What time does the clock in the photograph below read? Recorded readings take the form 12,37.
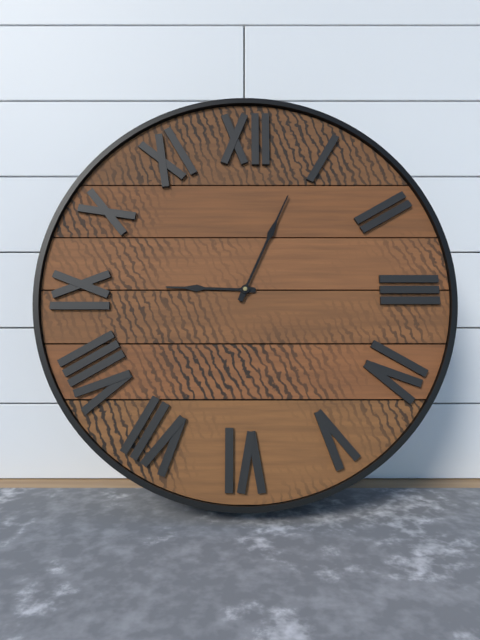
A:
9,04
